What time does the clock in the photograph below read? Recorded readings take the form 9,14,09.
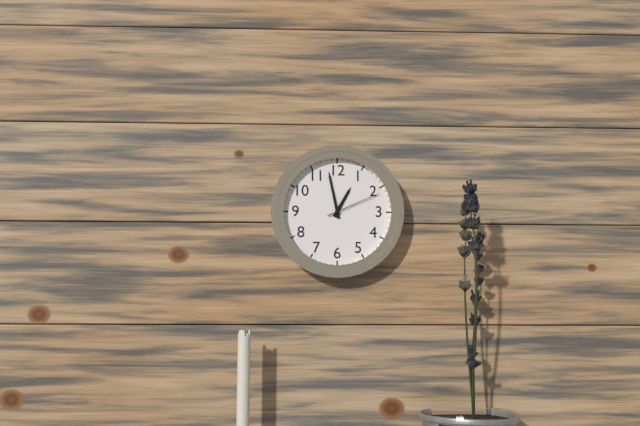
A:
12,58,11
